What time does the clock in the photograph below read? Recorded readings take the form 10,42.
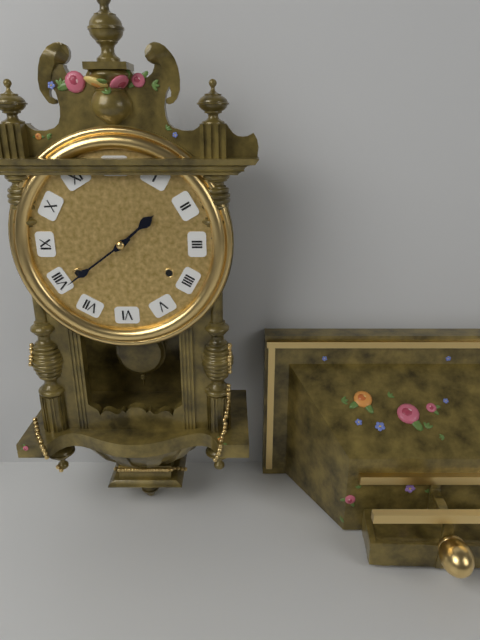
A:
1,39
